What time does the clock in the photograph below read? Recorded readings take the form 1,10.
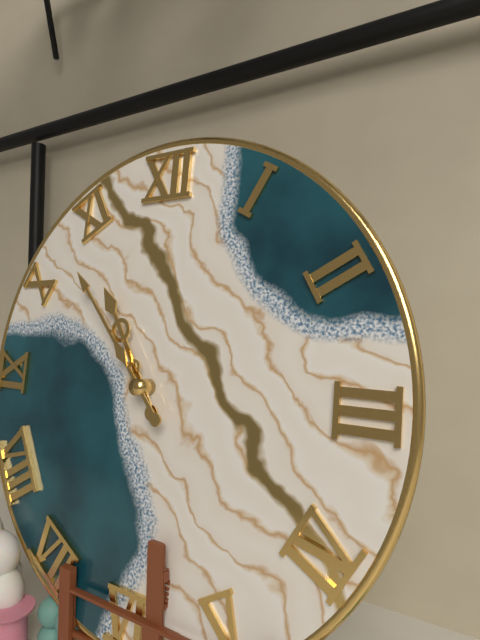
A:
10,53
